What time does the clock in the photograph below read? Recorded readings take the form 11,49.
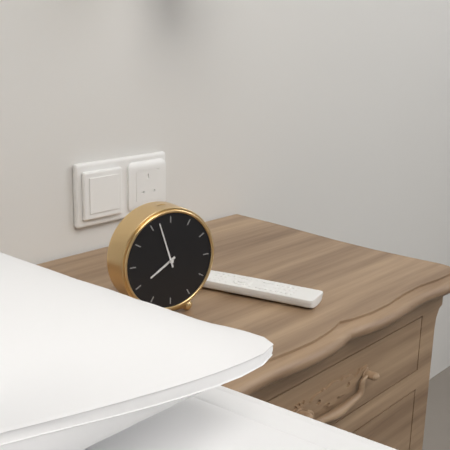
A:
7,57
